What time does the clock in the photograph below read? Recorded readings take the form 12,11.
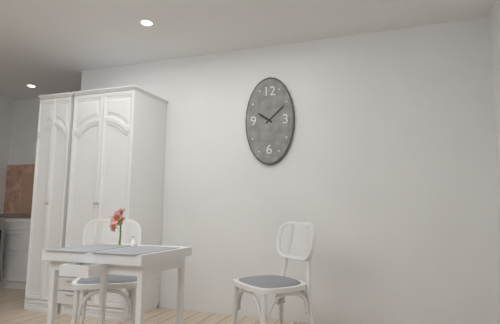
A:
10,08
